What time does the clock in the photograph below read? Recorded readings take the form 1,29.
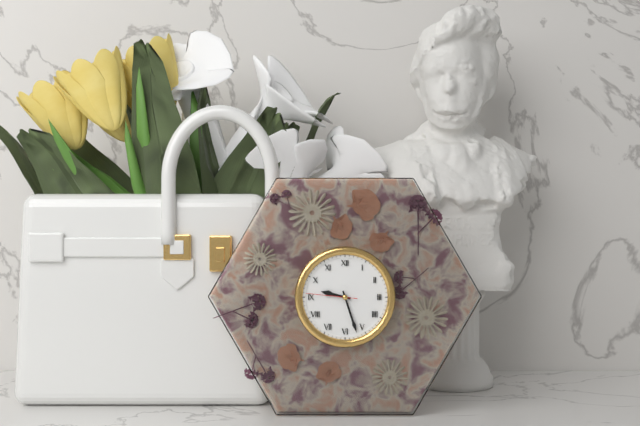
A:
9,27
